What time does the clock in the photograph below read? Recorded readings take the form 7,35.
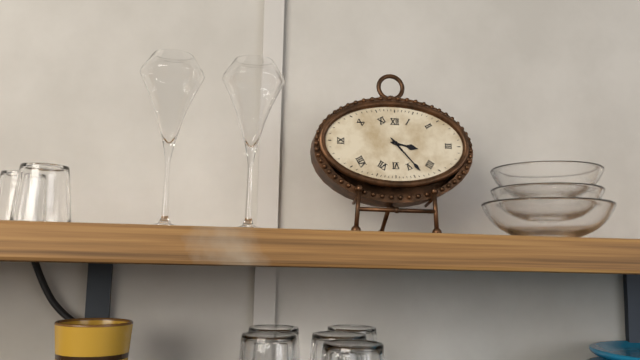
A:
3,23
